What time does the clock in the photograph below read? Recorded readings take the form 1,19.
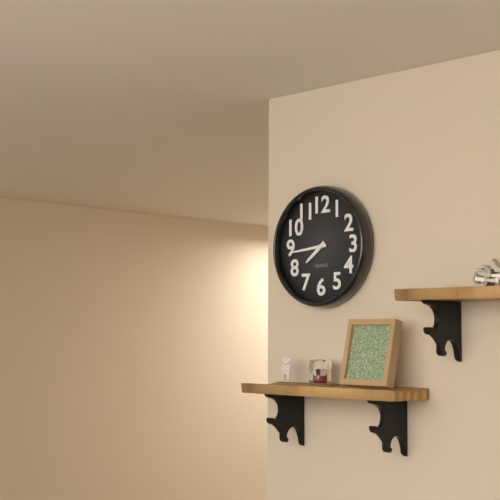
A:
7,44
